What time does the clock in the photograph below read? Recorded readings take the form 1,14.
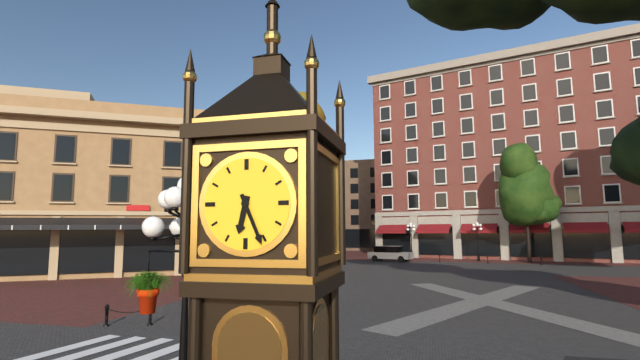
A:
6,26
